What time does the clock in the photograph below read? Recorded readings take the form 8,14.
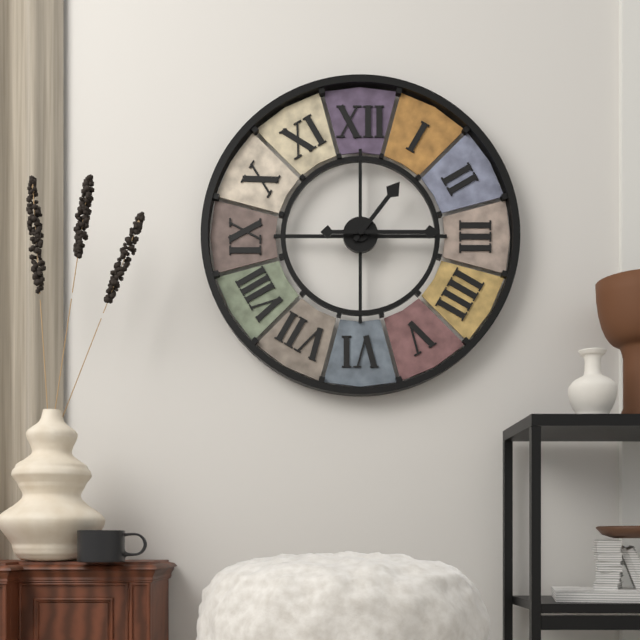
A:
1,15
